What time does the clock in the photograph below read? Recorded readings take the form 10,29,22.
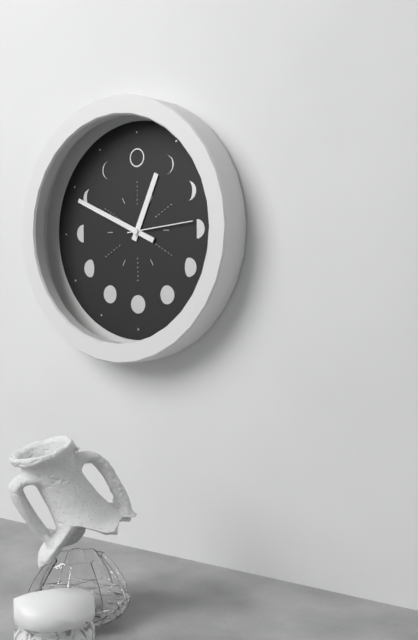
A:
12,49,14
